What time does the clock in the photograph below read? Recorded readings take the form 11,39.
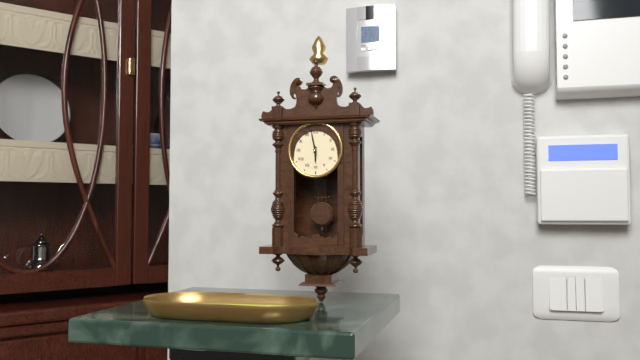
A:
5,58
